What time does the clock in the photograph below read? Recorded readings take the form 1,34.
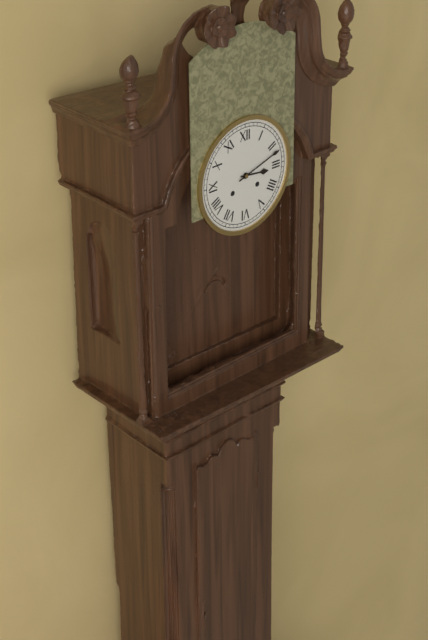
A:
3,12
